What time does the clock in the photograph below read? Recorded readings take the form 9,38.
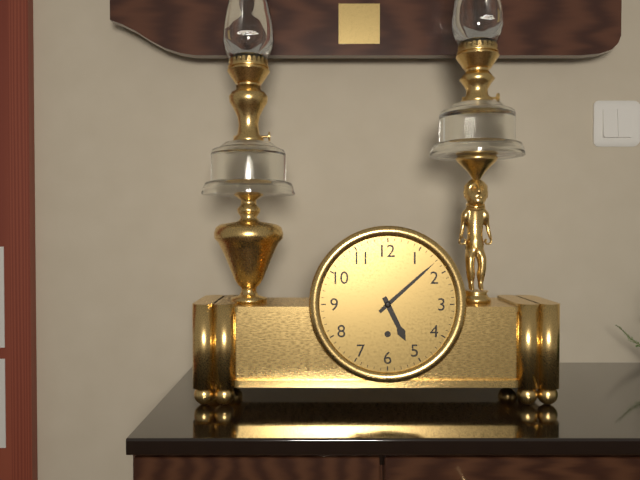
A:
5,08
